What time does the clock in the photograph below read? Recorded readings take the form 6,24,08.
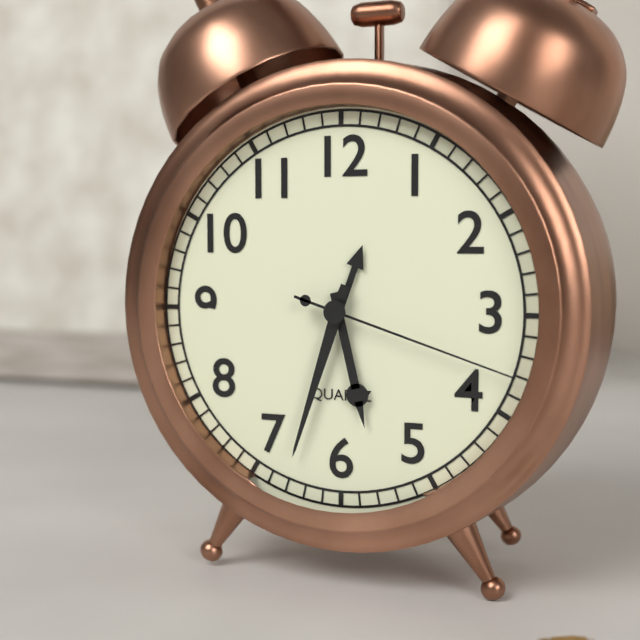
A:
5,33,18
